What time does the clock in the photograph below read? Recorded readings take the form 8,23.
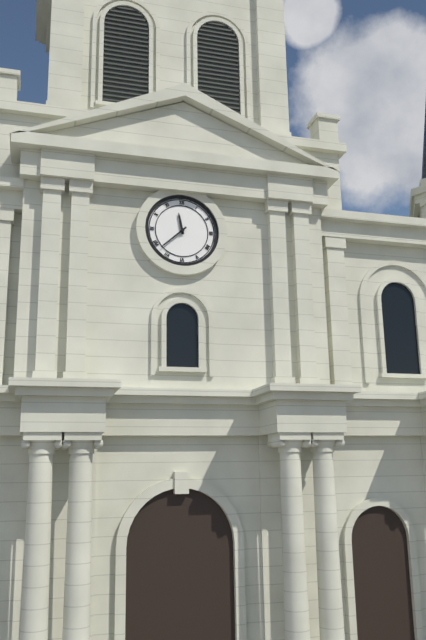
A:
11,38
